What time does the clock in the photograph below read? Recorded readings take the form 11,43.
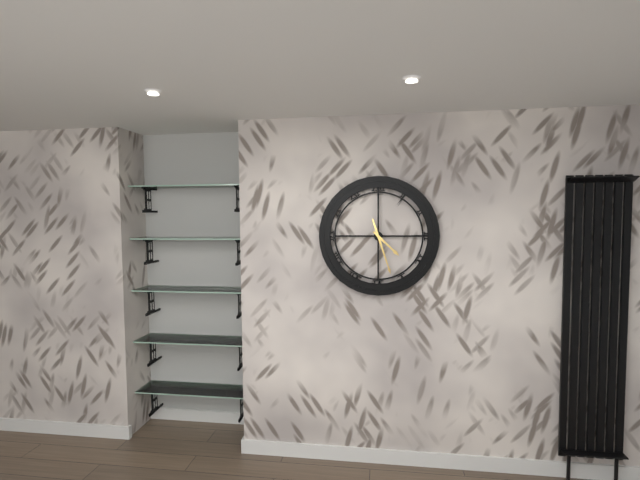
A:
4,27
